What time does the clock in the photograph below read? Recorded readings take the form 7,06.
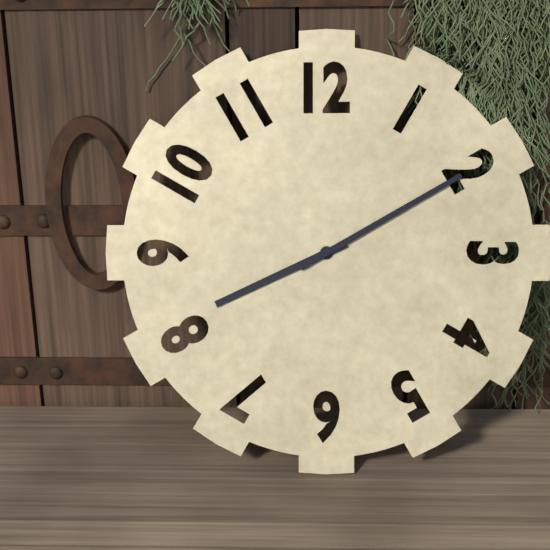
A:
8,10
